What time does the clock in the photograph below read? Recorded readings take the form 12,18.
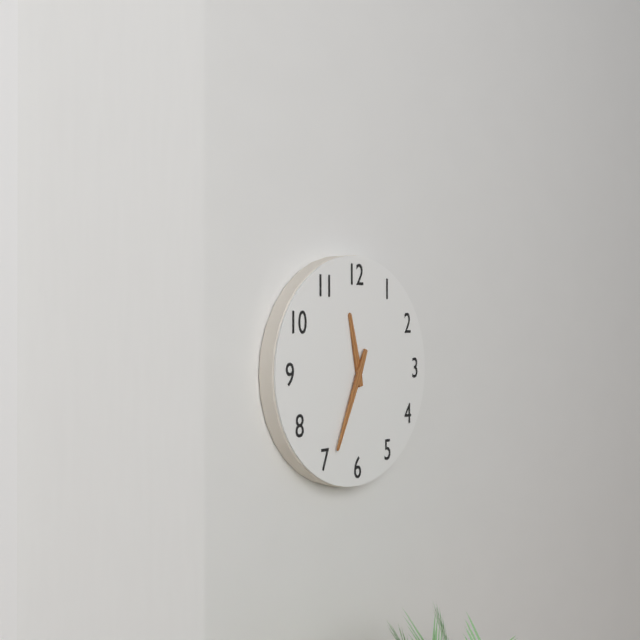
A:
11,34
